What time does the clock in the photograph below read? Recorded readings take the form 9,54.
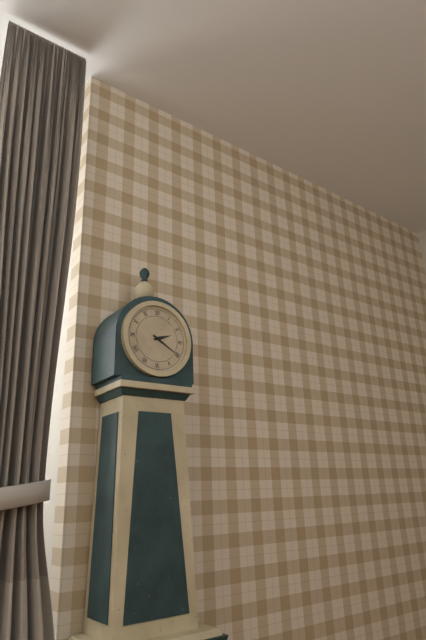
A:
2,20
